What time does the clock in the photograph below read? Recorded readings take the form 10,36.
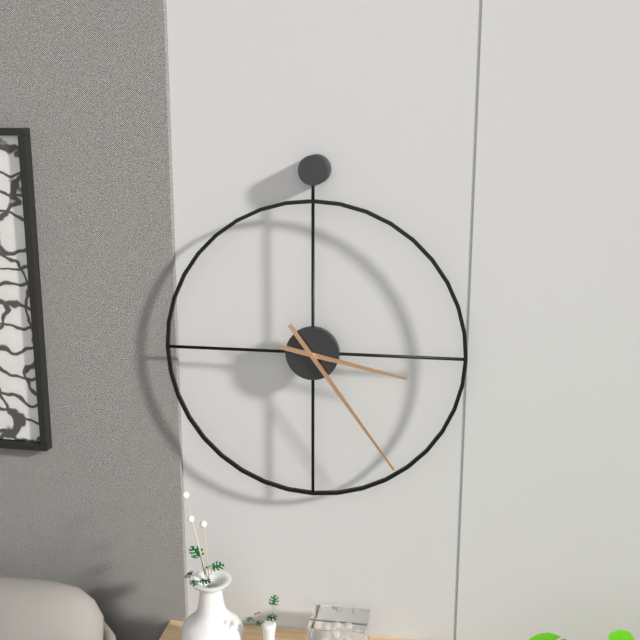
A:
3,24
